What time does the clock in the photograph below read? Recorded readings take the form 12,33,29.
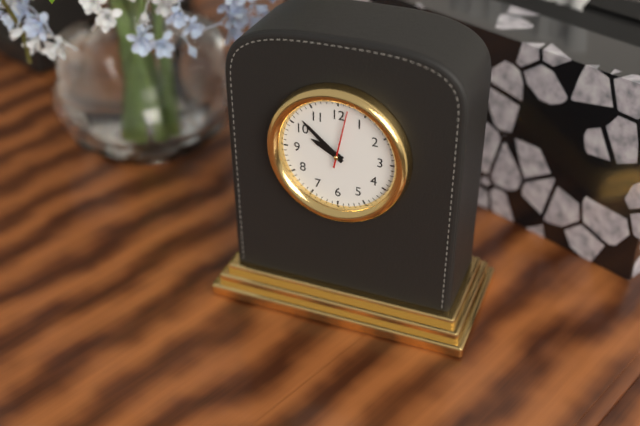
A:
9,52,02
